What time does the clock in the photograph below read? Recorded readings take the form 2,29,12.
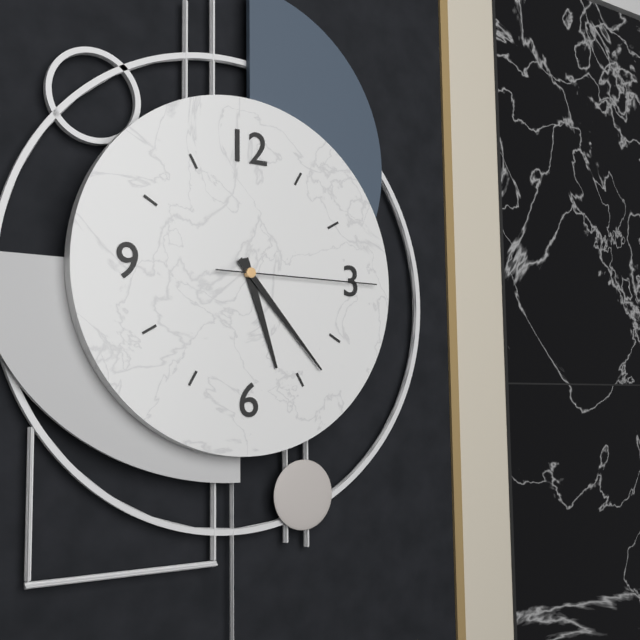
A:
5,23,15
